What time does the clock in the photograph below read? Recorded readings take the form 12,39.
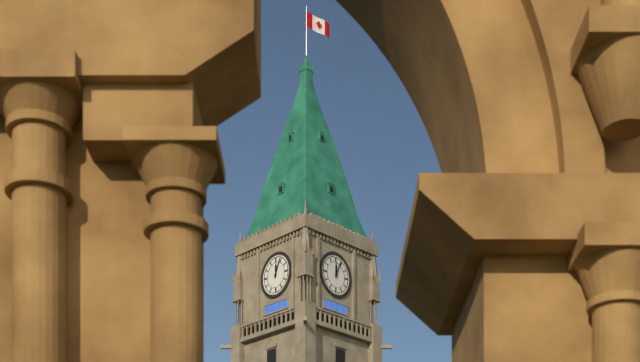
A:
12,04
